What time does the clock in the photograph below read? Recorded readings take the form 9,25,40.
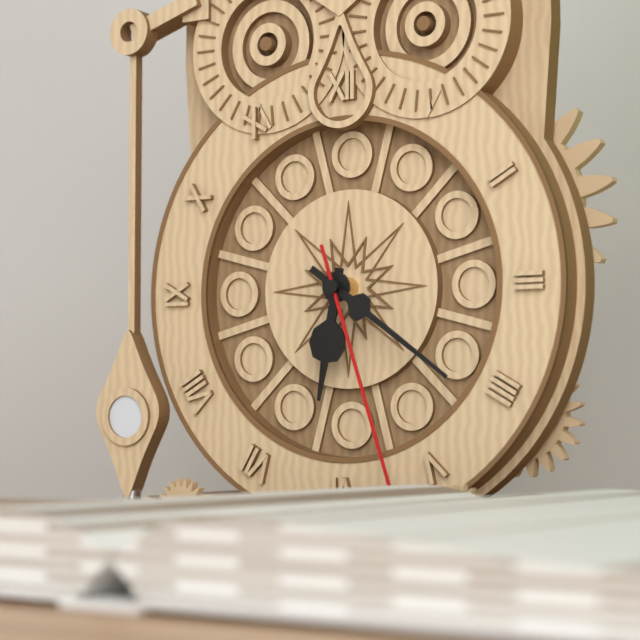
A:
6,21,27
